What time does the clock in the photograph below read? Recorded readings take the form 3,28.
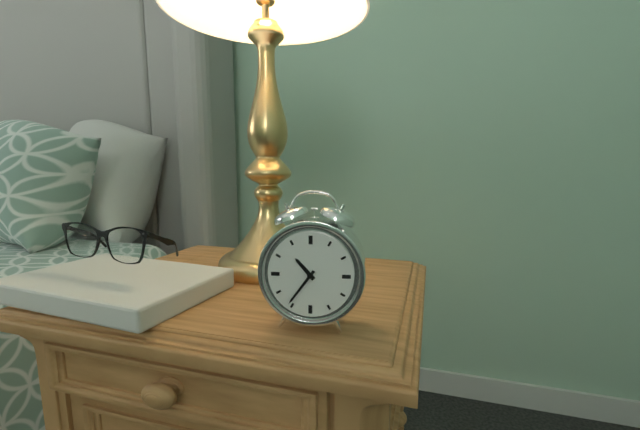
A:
10,36
